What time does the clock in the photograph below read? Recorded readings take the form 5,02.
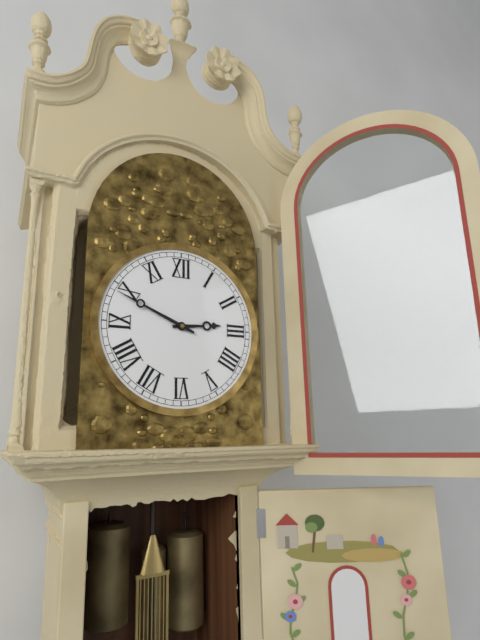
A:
2,49
